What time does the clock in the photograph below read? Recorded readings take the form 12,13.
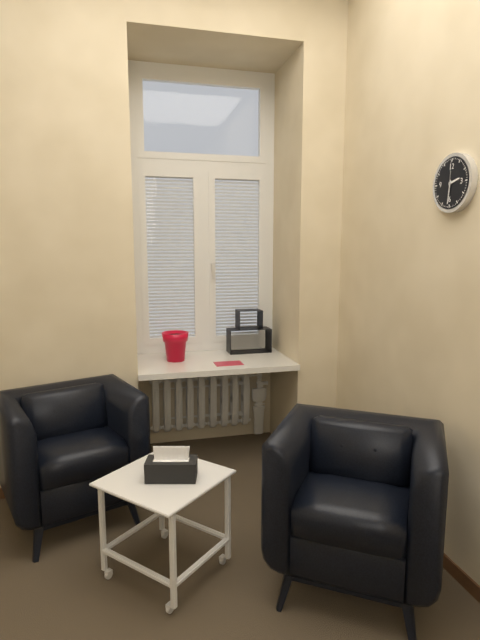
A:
2,31
